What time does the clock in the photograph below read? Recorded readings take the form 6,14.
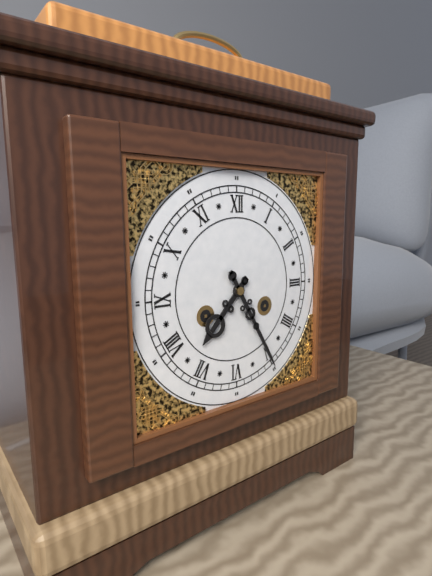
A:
7,25
